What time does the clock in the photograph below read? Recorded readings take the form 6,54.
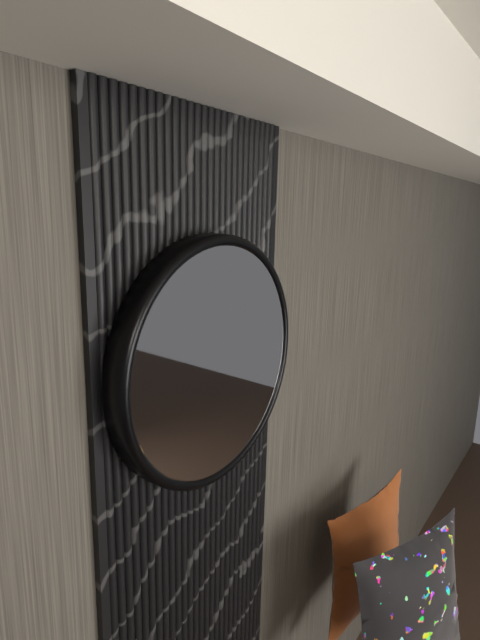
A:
3,55
